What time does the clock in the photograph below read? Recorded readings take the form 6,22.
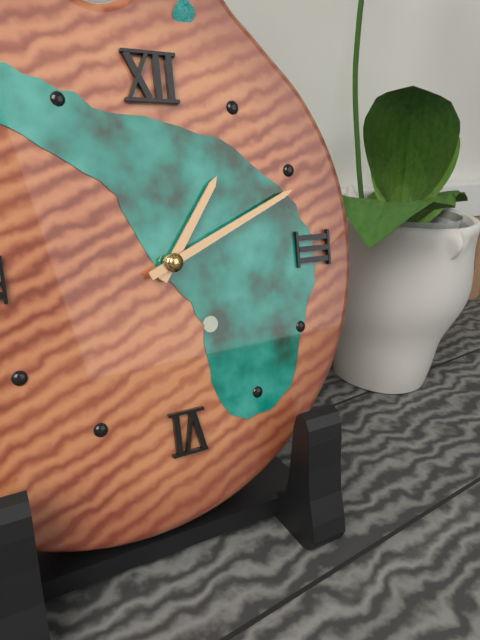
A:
1,11
